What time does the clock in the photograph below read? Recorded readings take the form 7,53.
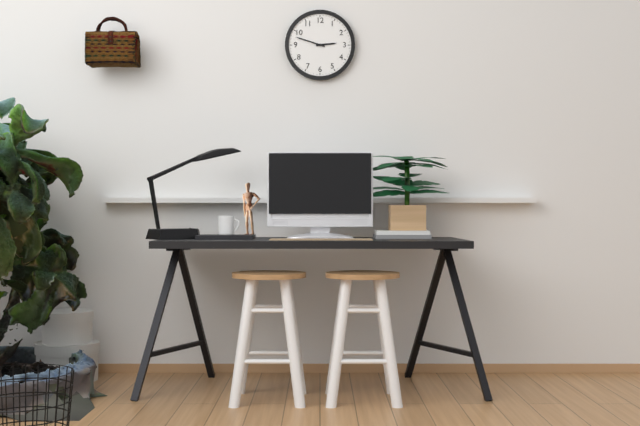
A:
2,48
